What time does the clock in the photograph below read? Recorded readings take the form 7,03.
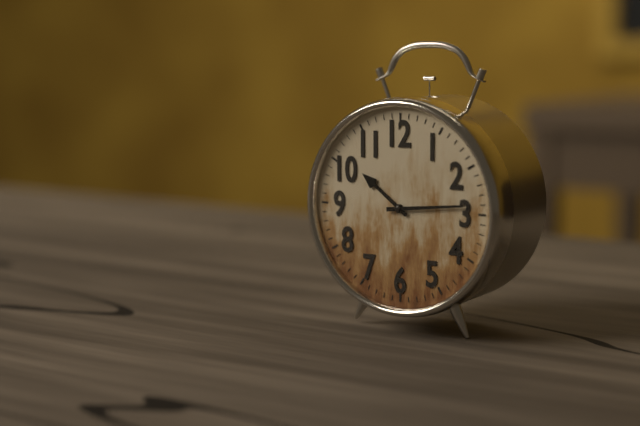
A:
10,14
